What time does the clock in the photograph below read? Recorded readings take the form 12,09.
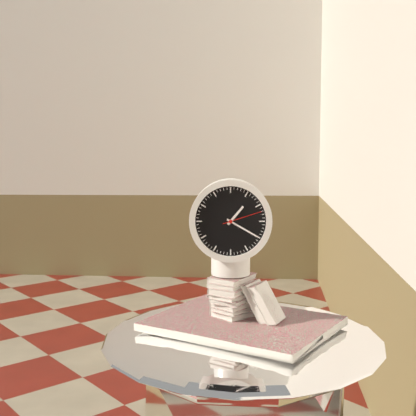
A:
1,20
